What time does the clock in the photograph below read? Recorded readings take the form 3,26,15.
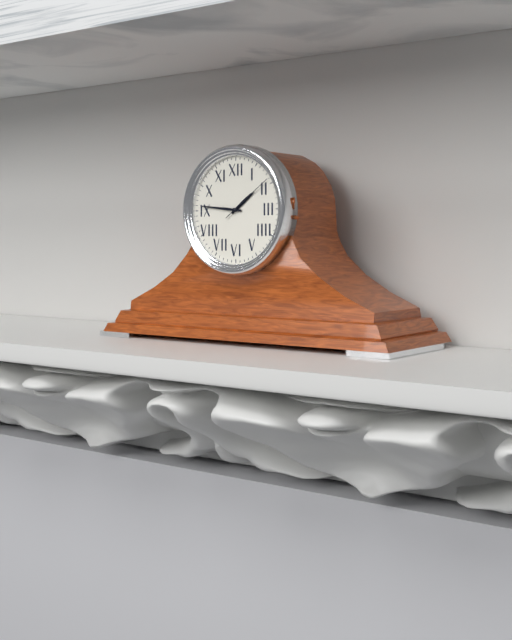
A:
1,46,09
